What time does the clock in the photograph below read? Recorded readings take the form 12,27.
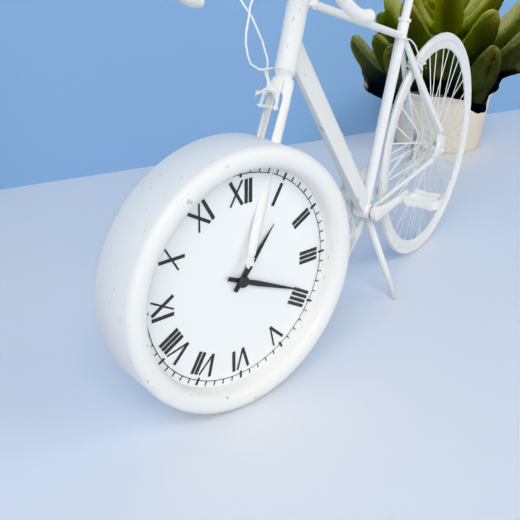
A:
1,19
